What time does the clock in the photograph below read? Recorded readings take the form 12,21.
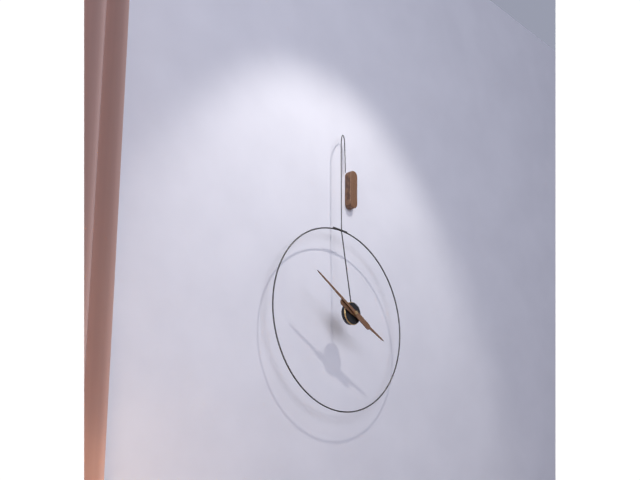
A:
3,50
